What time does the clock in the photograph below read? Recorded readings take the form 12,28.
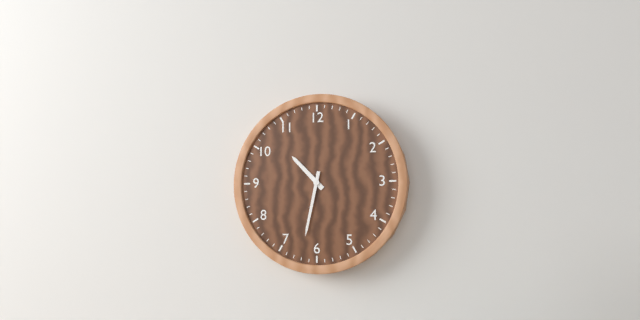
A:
10,32
